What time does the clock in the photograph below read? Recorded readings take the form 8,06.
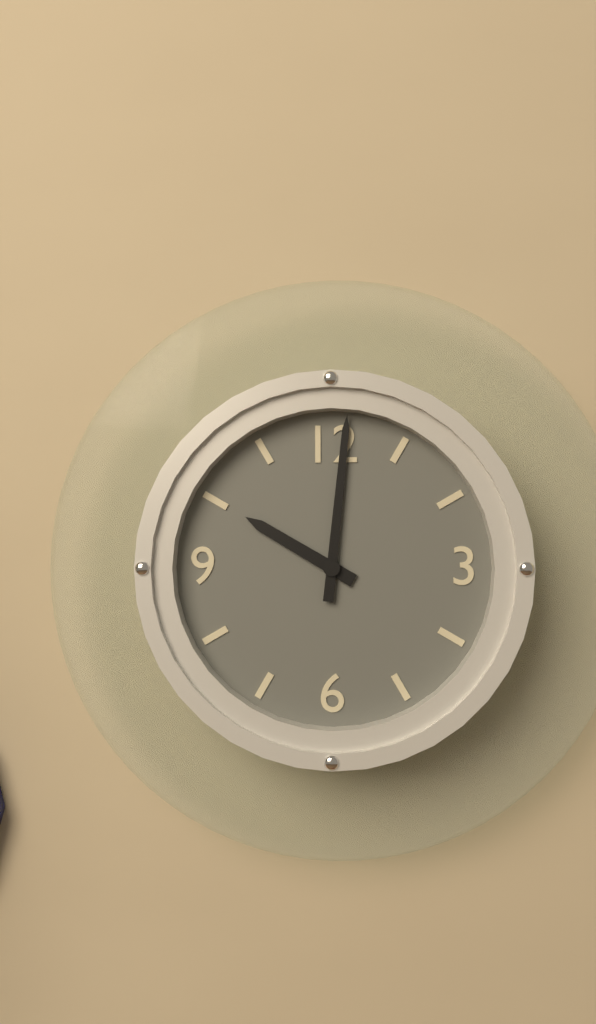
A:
10,01
